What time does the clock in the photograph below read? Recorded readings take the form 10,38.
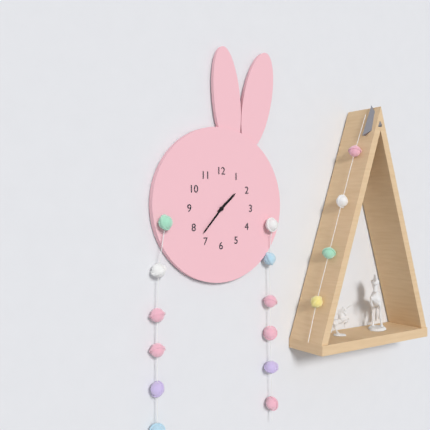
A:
1,37
